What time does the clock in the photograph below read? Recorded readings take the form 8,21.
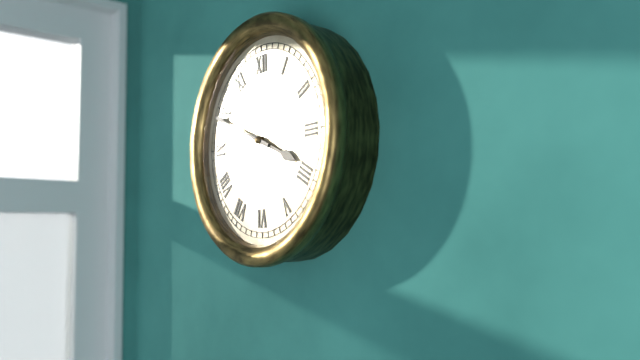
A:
3,49
